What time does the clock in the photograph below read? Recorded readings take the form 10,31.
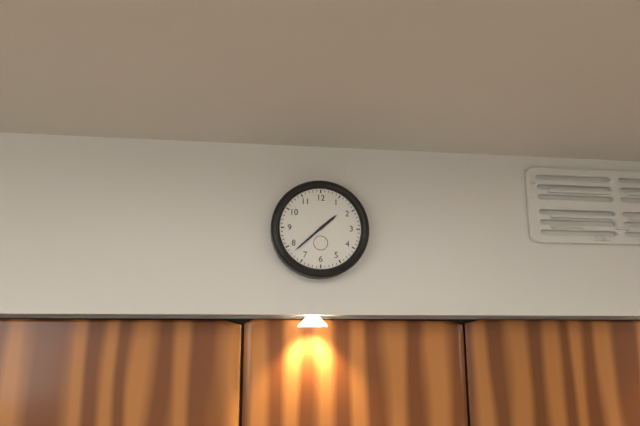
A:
1,38
